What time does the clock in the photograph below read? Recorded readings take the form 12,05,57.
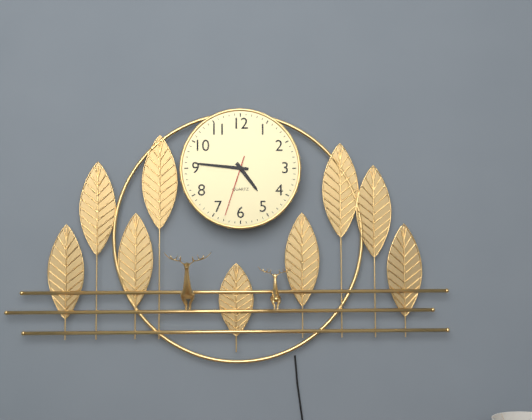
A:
4,46,33
